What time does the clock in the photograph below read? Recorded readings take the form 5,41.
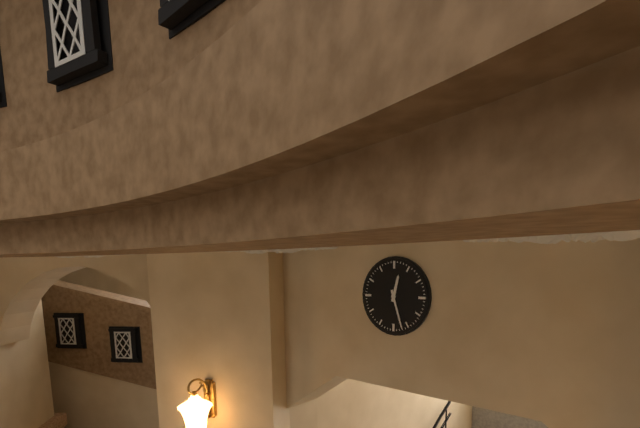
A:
12,27
